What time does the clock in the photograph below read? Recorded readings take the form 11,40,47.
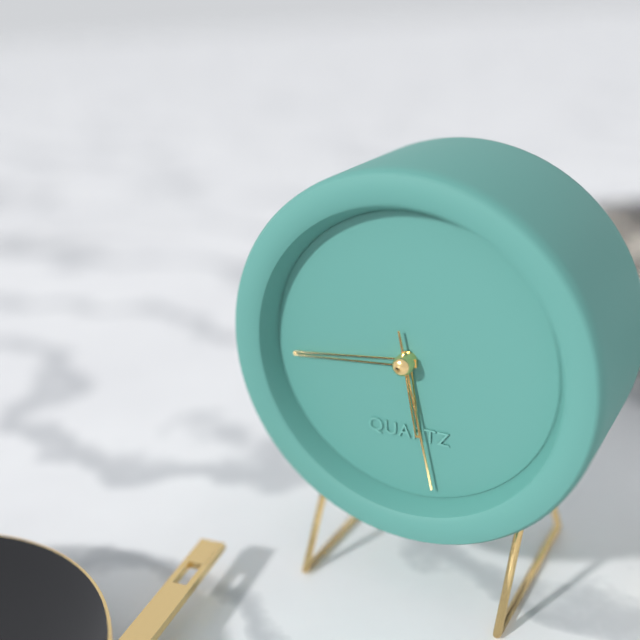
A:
5,44,28
